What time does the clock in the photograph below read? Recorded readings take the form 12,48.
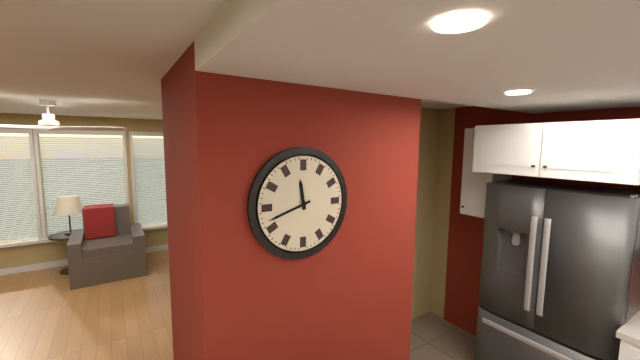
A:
11,42
